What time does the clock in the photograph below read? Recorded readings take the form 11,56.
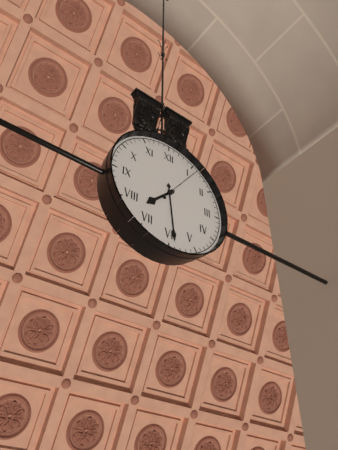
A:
7,29
